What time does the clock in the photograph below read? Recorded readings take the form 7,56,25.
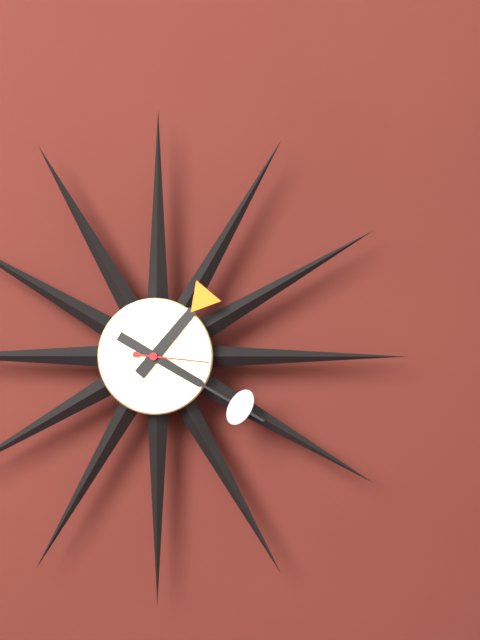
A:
1,20,16
